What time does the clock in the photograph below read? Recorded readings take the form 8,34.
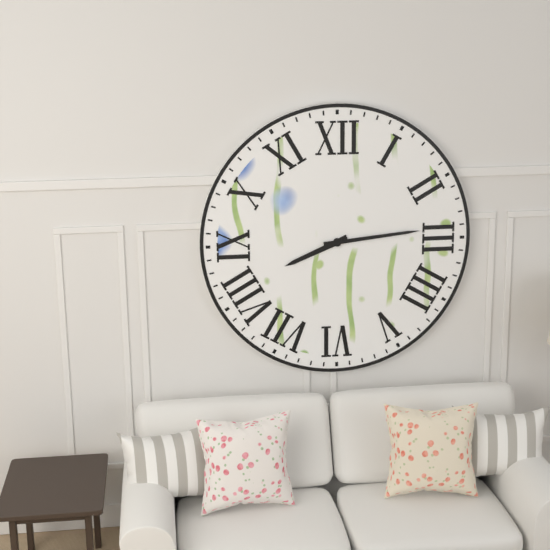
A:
8,14
